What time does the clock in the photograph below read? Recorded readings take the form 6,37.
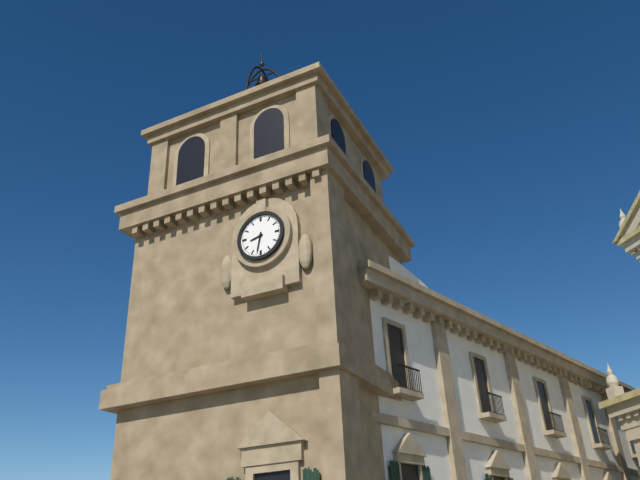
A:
8,32
